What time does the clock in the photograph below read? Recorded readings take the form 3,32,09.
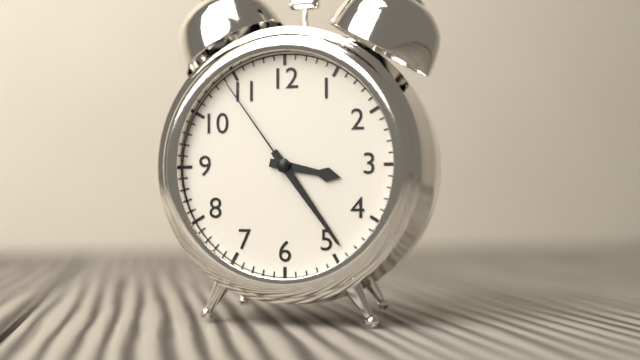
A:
3,24,54
